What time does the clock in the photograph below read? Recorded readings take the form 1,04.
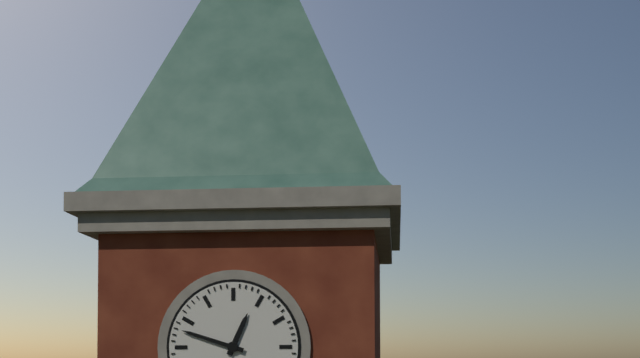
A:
12,48
